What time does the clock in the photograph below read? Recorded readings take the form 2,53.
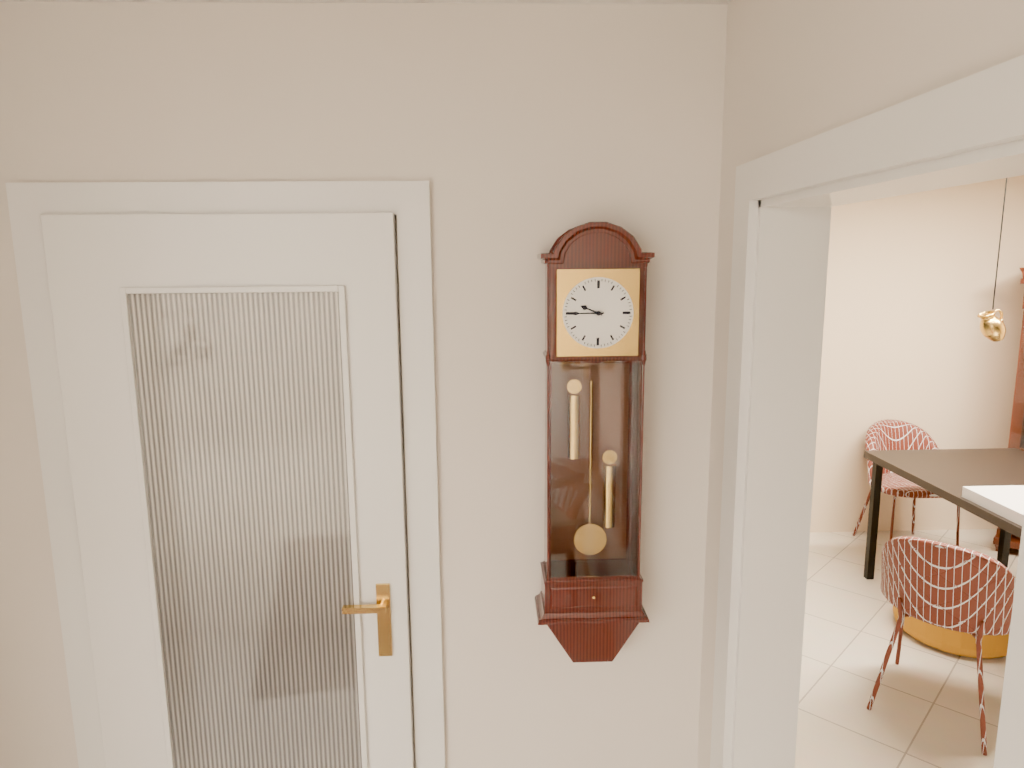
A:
9,45
